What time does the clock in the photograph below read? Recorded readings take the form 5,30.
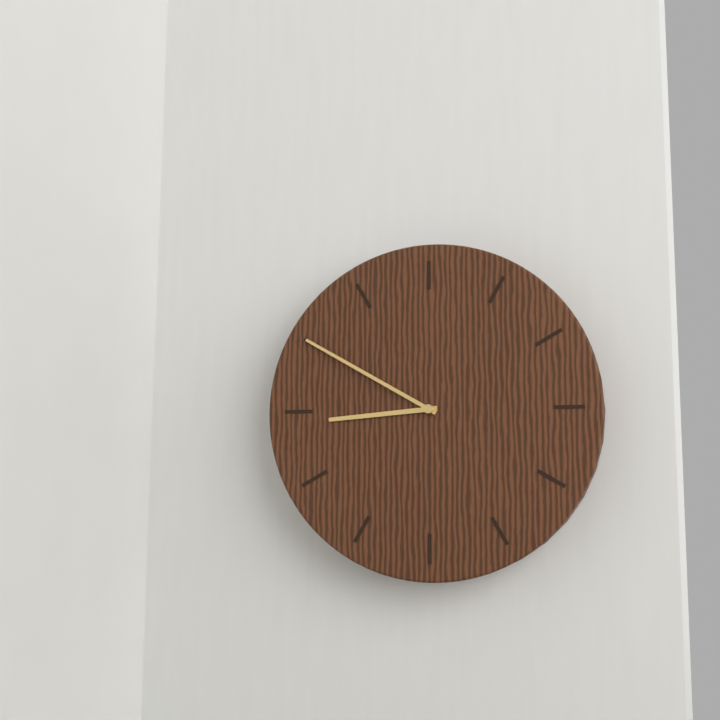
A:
8,50
